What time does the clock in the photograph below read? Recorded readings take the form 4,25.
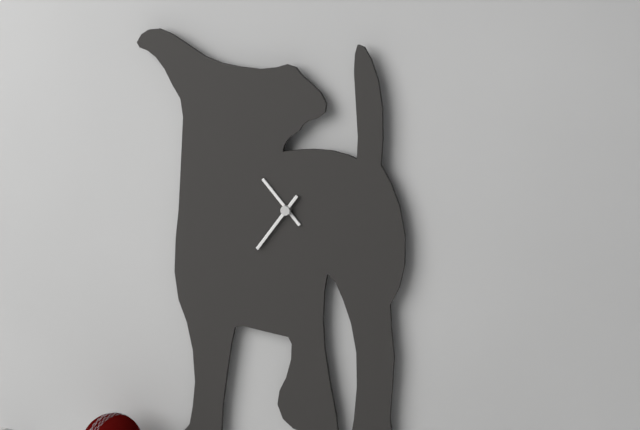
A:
10,36
